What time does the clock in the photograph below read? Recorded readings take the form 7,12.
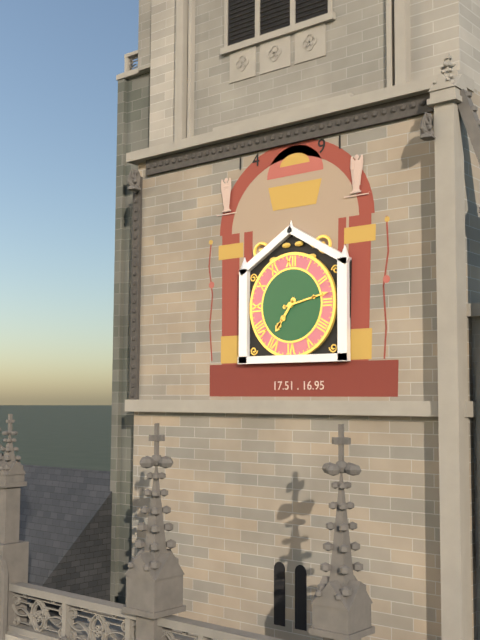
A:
7,13
